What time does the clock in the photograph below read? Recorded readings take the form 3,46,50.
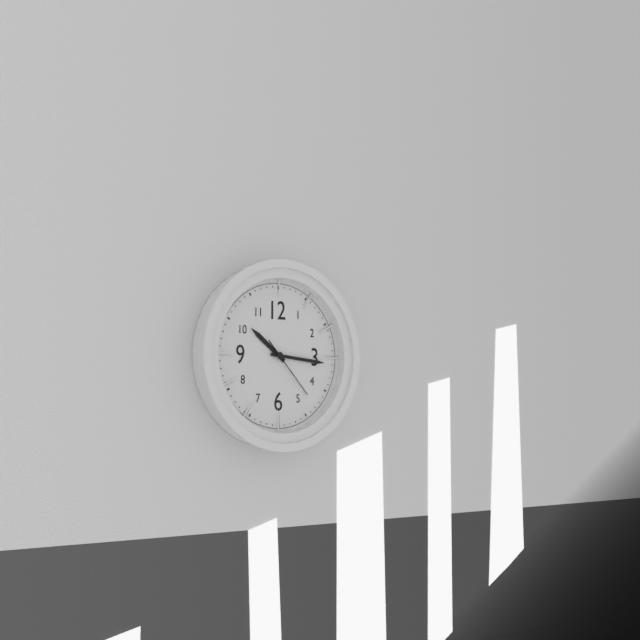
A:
10,16,23
